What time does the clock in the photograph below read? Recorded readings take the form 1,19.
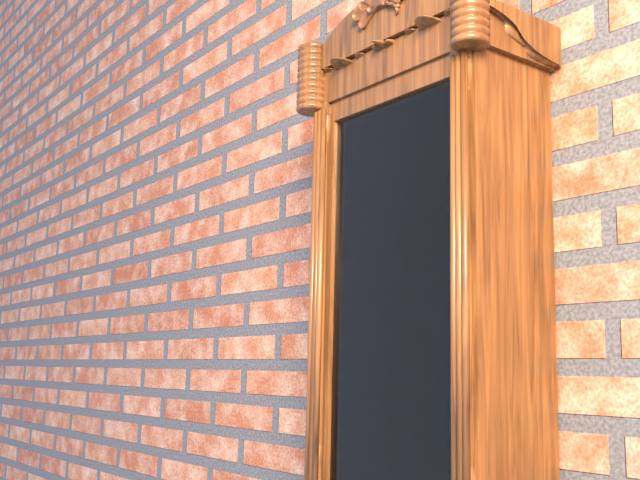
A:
10,24
